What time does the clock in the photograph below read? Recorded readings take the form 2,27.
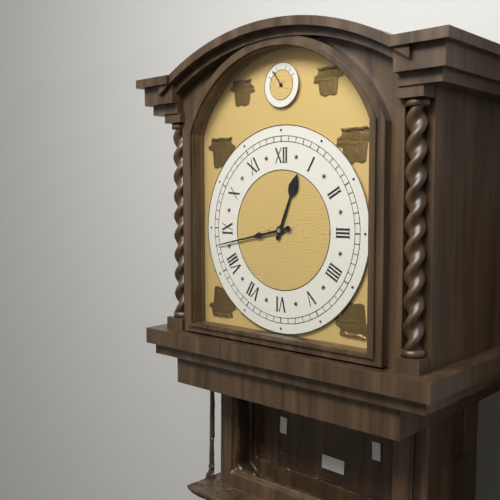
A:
12,43
